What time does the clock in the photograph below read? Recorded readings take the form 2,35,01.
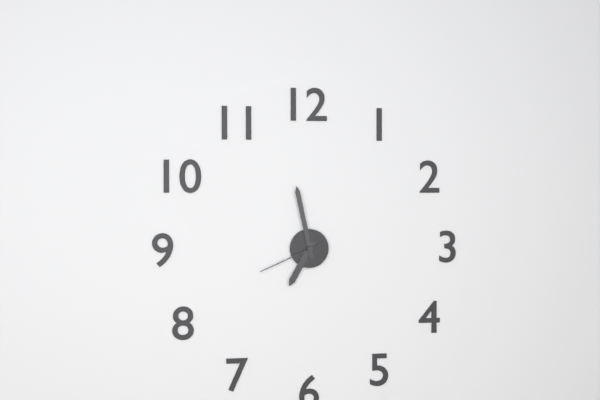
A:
6,58,41
